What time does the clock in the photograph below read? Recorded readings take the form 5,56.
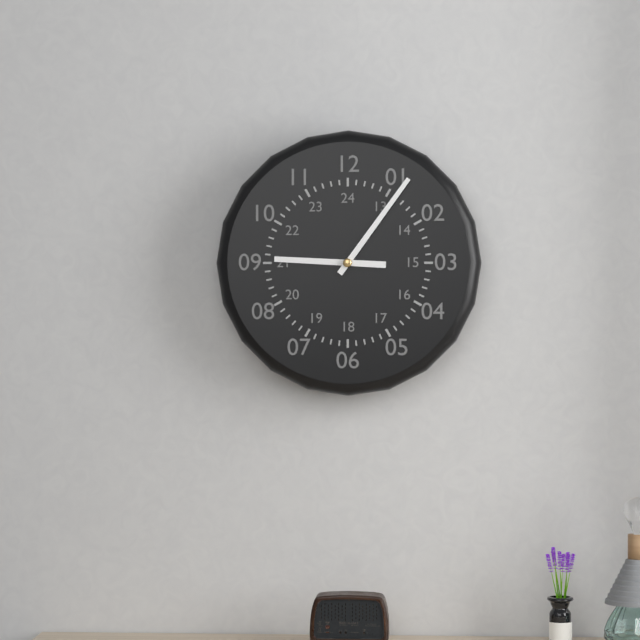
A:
9,06
